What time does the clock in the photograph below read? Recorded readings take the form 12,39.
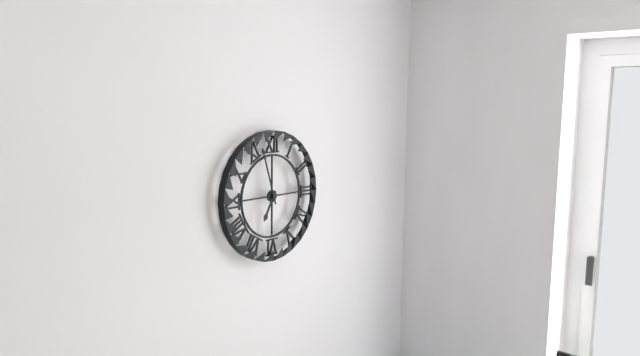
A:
6,57
